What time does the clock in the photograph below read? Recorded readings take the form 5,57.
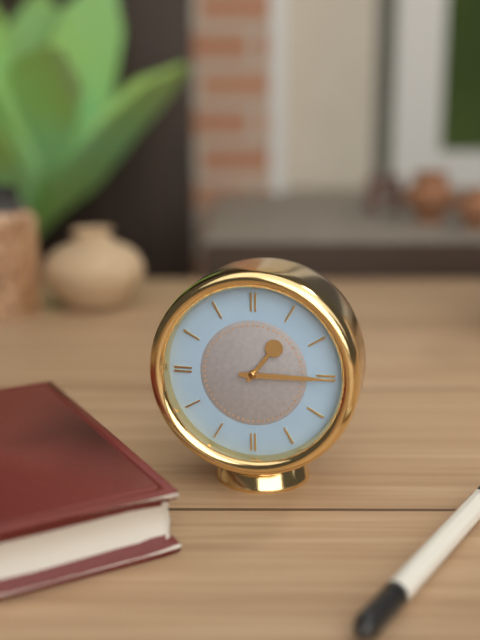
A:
1,15
